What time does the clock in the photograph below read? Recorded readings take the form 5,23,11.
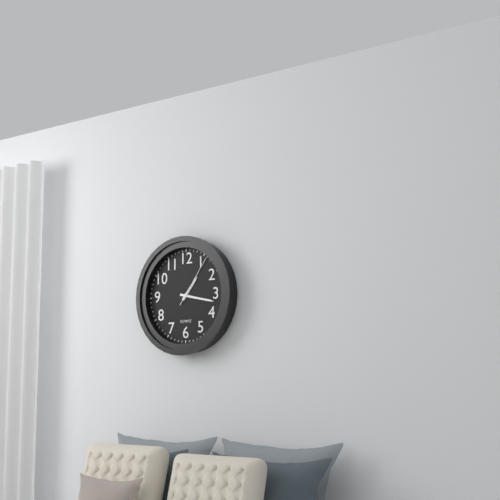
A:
1,17,06
